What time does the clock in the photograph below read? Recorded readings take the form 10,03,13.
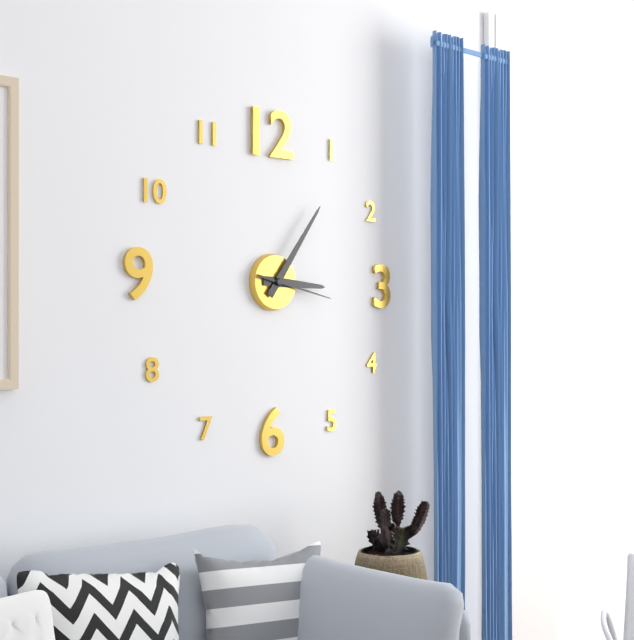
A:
3,06,17
